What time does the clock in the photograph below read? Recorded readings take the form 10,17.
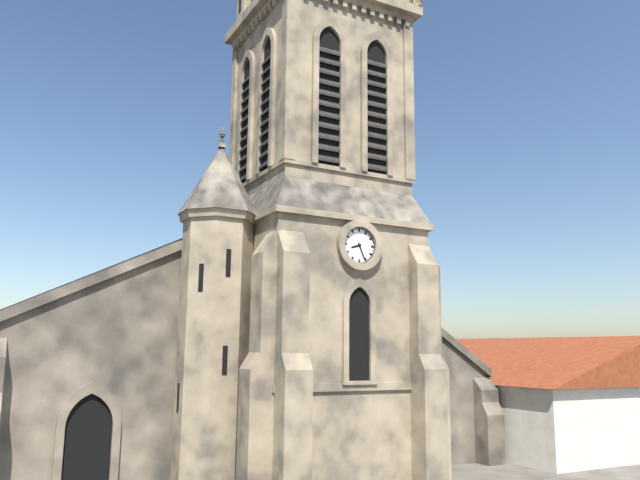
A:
8,26
